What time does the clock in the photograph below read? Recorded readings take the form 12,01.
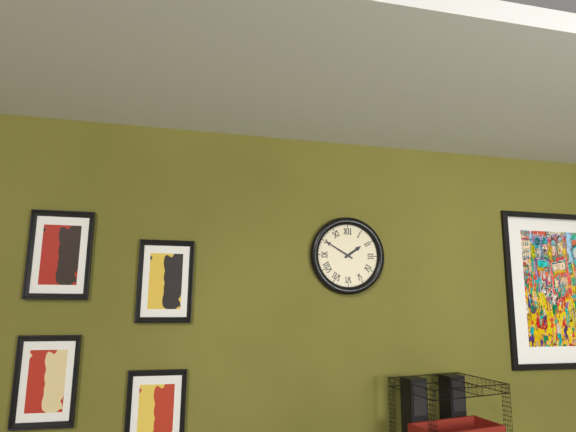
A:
1,50
